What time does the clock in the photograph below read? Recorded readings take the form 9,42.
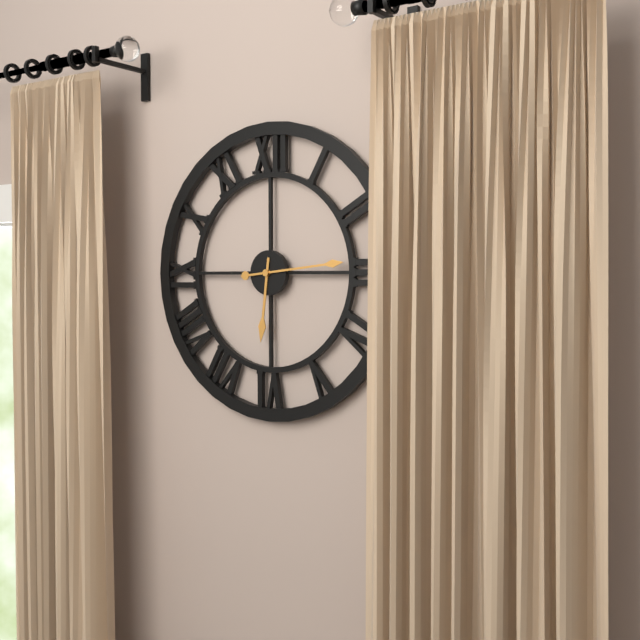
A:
6,14
